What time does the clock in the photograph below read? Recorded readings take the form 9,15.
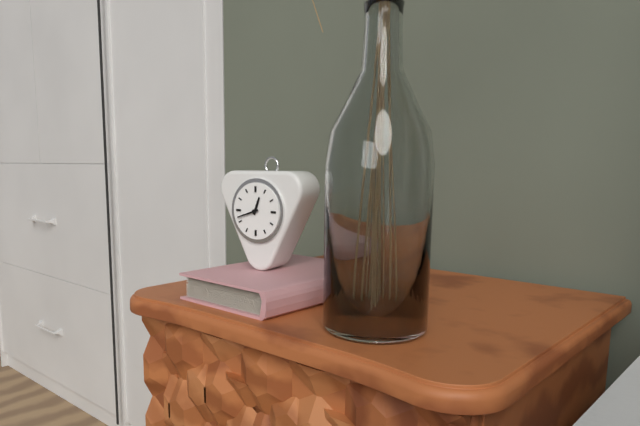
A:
12,42
